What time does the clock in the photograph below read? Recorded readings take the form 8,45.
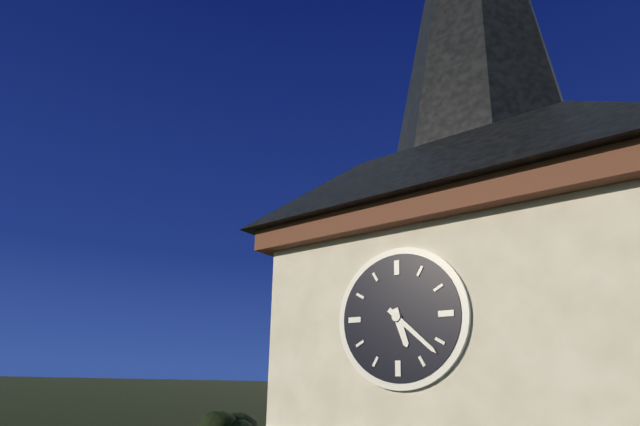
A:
5,22
